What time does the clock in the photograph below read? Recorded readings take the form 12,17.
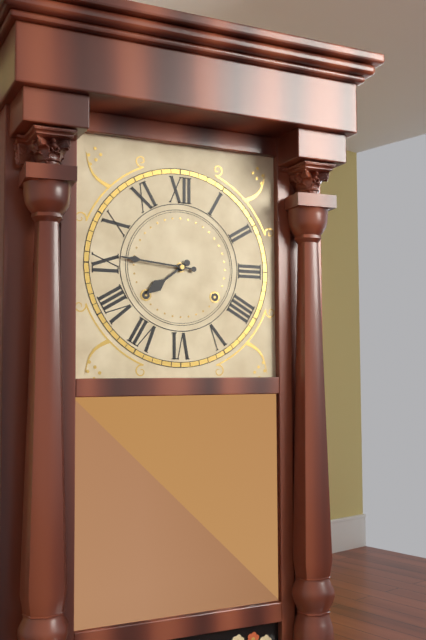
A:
7,46
